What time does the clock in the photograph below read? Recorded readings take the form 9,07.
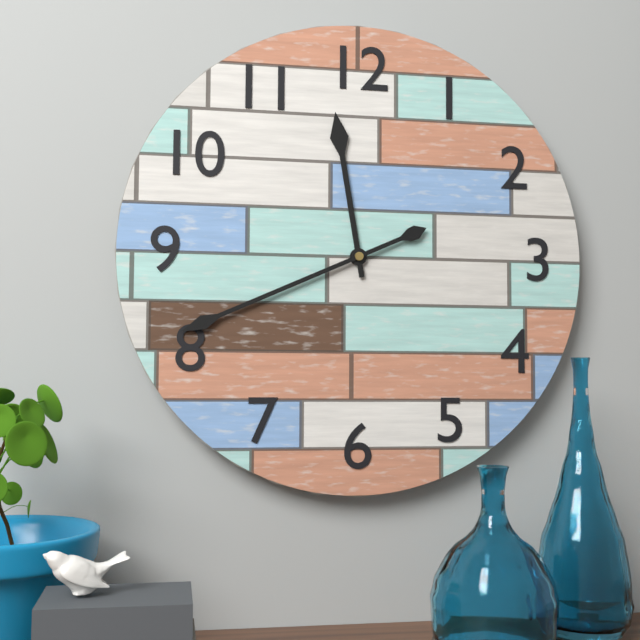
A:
11,41
